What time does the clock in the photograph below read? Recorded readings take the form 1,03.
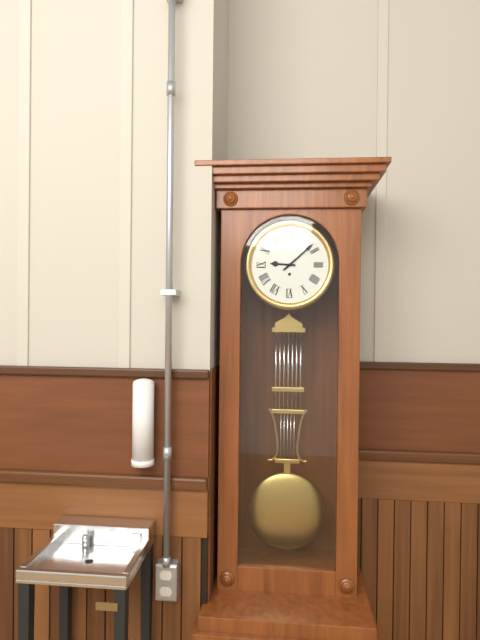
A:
9,08
